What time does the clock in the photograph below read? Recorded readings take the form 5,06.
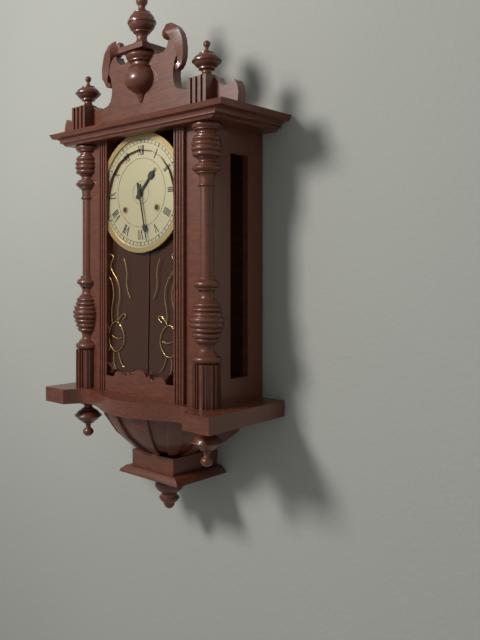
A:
1,28
